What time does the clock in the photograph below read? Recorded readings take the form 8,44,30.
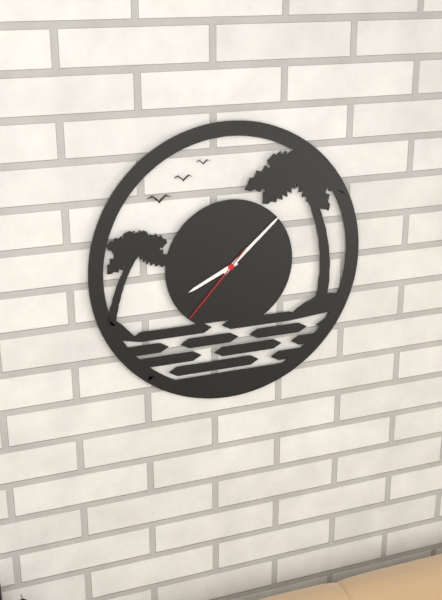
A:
8,08,37
